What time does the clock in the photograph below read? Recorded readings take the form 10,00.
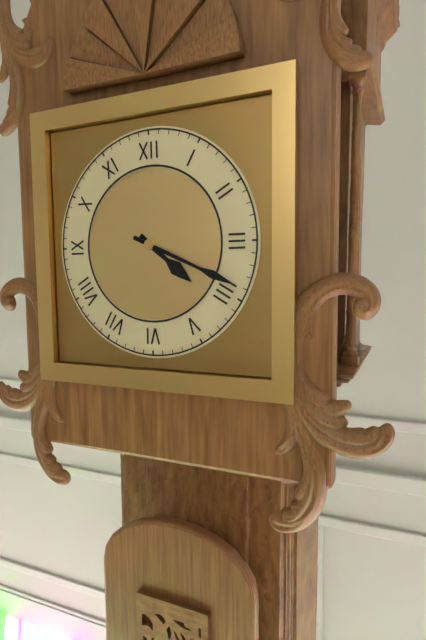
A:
4,19
